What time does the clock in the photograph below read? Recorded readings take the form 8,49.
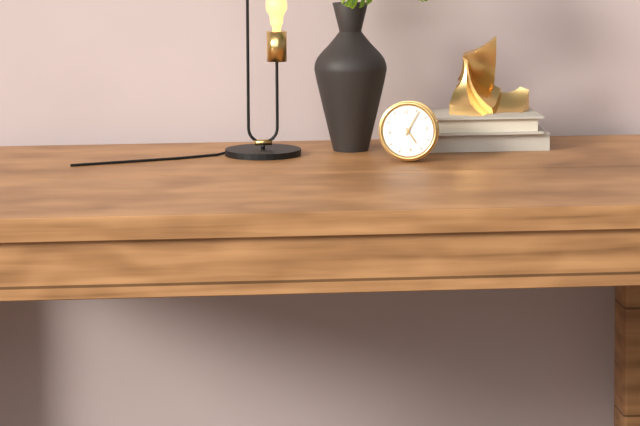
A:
5,06
